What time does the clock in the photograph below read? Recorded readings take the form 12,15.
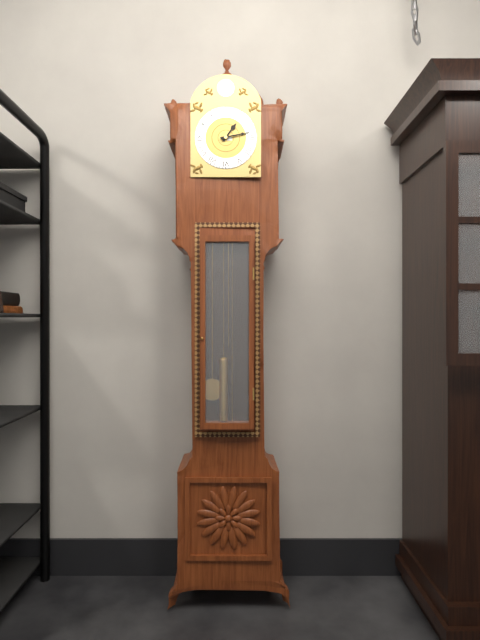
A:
1,13
